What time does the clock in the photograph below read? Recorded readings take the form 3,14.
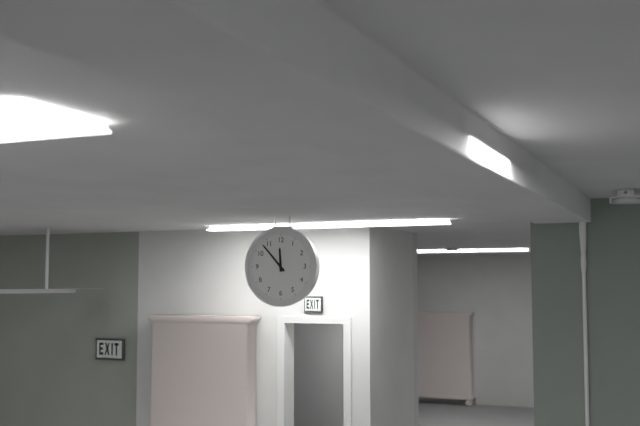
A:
11,53
